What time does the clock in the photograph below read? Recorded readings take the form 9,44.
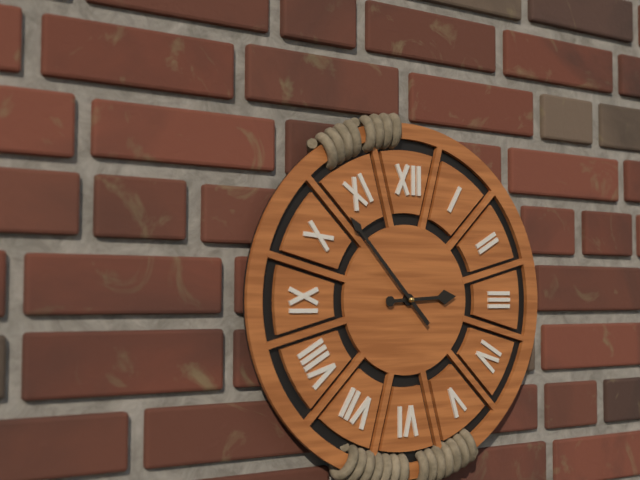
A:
2,53
